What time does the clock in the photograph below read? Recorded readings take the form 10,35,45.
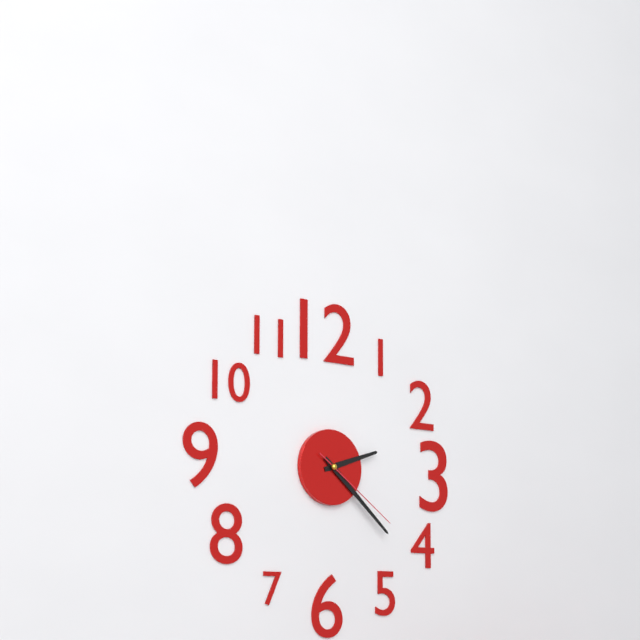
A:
2,22,21
